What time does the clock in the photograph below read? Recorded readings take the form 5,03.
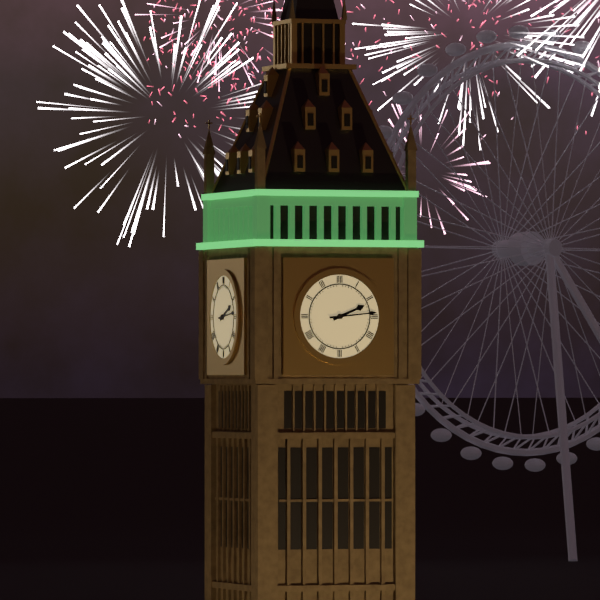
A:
2,14
